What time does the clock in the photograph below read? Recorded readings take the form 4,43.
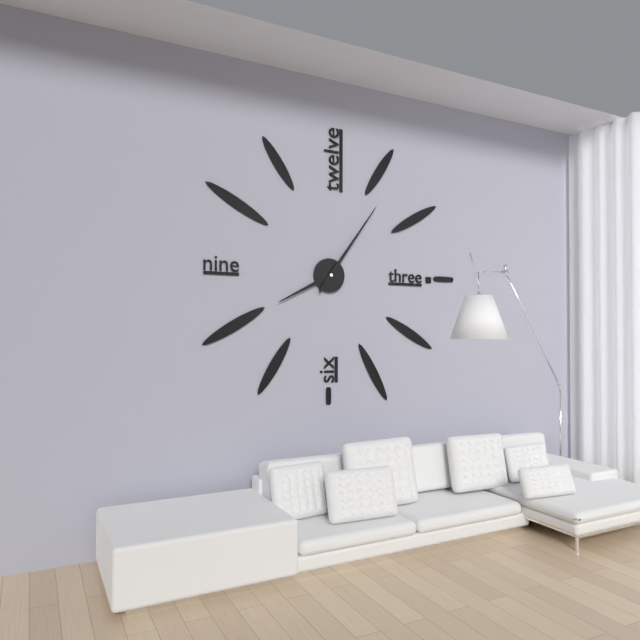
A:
8,06
